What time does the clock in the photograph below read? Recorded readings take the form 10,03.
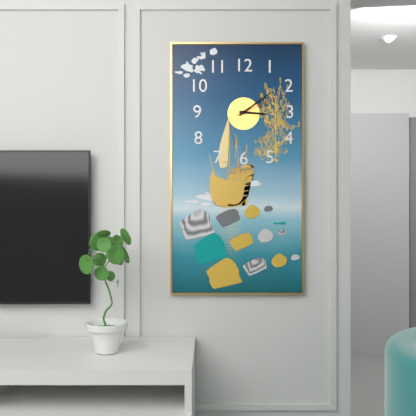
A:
3,09
